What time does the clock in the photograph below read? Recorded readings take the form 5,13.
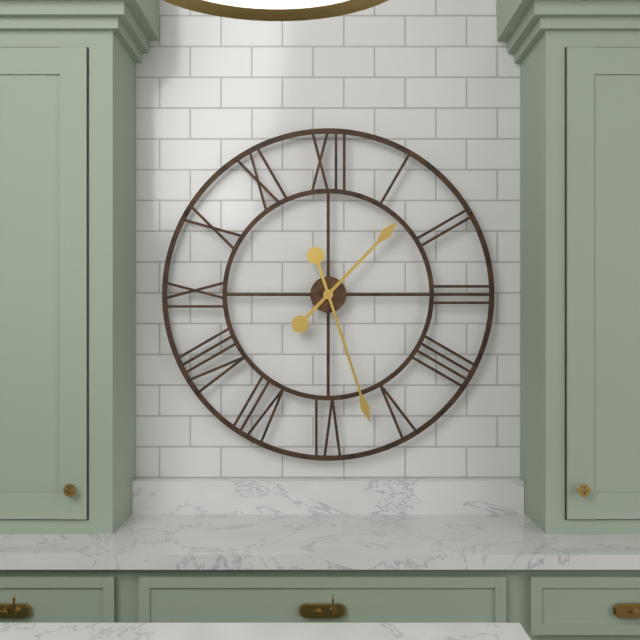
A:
1,27
